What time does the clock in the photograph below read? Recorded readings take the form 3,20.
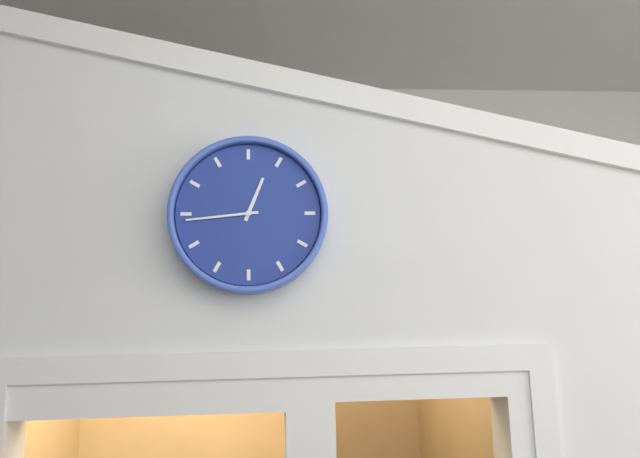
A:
12,44
